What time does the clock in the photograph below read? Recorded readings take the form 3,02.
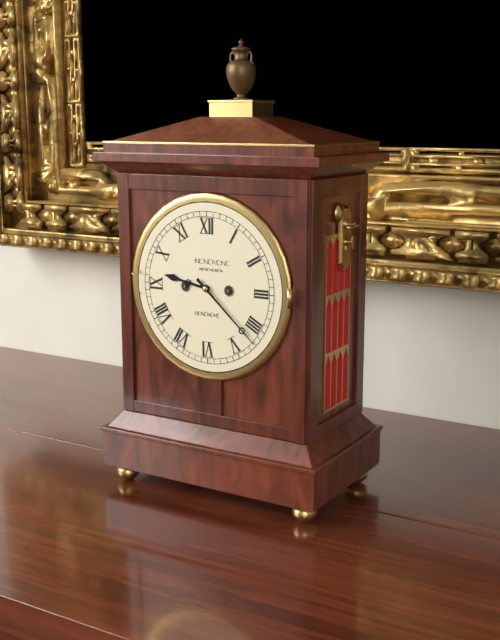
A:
9,22
